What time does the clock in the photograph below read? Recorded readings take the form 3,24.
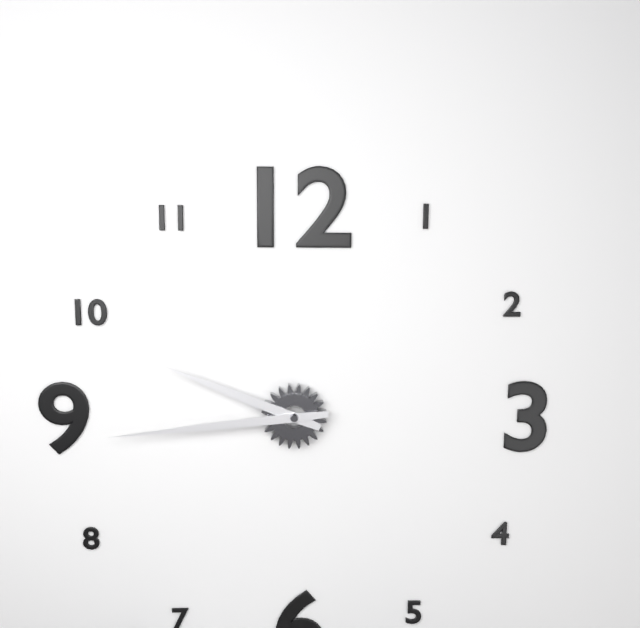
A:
9,44
